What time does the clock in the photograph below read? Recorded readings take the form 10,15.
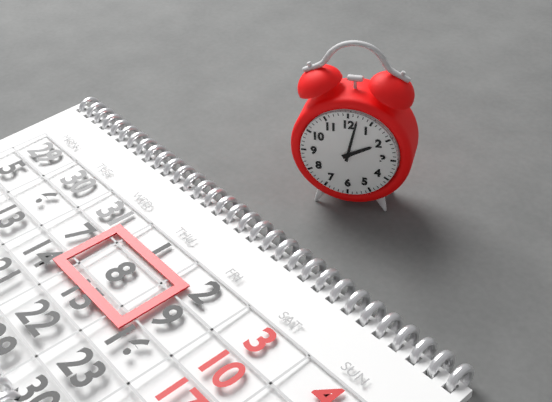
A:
2,02
